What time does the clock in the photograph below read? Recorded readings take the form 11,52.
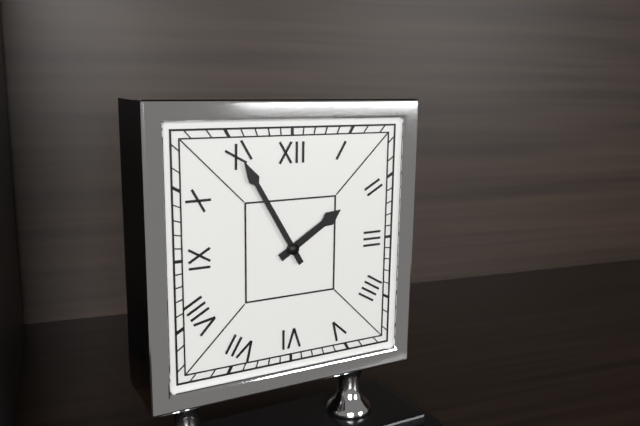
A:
1,55
